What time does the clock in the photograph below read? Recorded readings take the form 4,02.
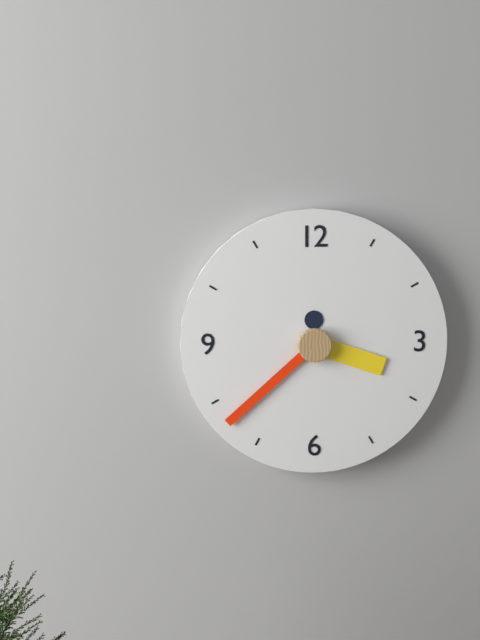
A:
3,38
